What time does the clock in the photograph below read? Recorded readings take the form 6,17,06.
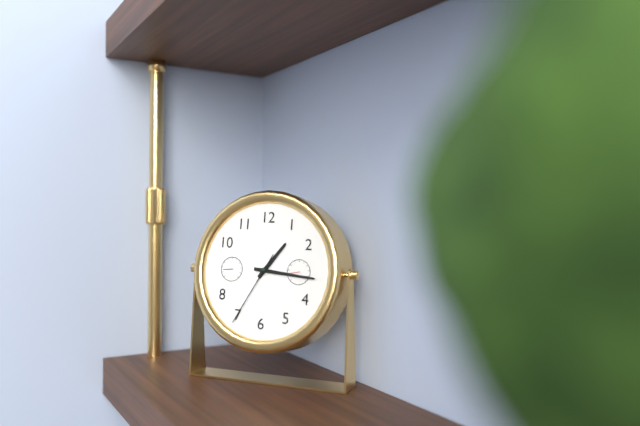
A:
1,16,35
